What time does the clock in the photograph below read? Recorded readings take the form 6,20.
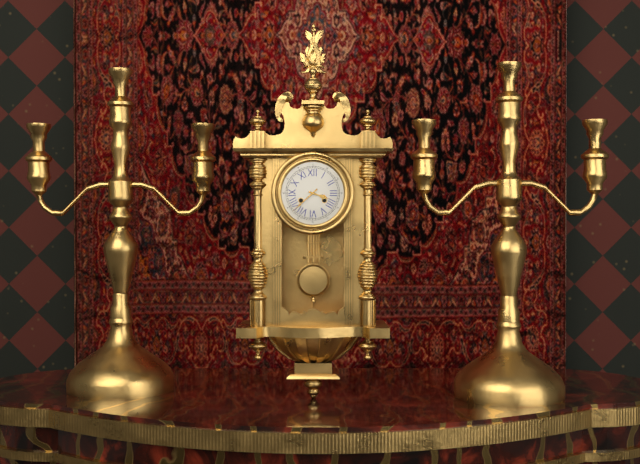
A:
3,38
